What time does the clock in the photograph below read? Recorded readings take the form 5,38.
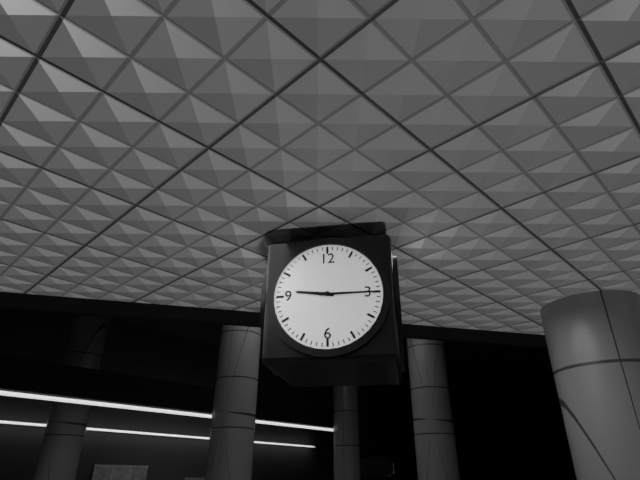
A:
9,15
